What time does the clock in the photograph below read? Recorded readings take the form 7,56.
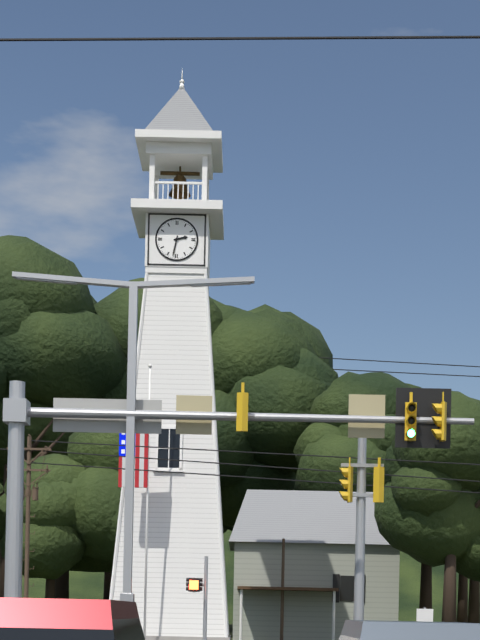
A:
2,32
